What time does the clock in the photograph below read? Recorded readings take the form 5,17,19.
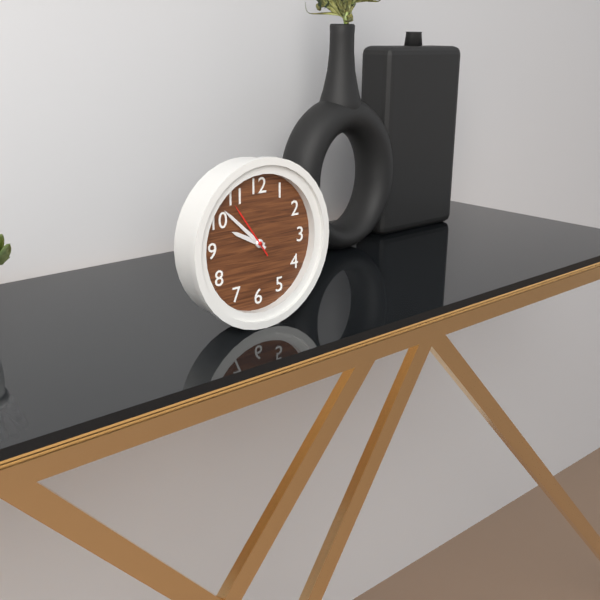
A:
9,52,54
